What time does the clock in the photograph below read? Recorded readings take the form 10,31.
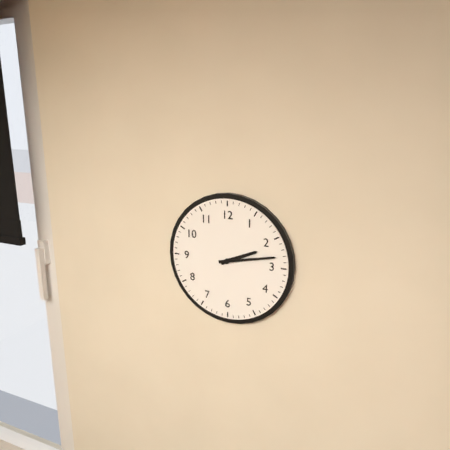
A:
2,13
